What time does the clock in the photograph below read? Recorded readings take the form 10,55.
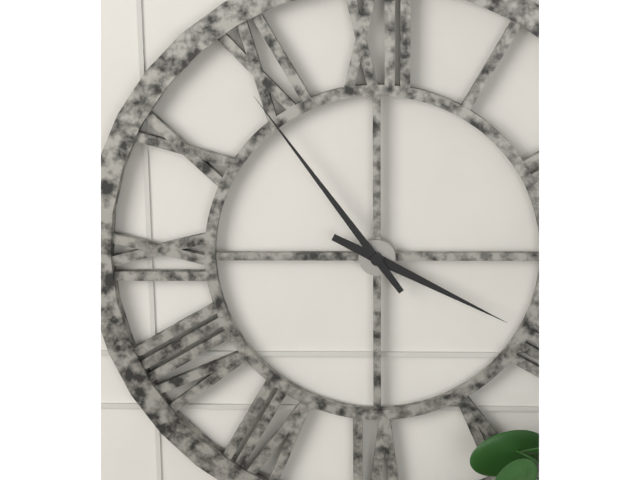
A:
3,54
